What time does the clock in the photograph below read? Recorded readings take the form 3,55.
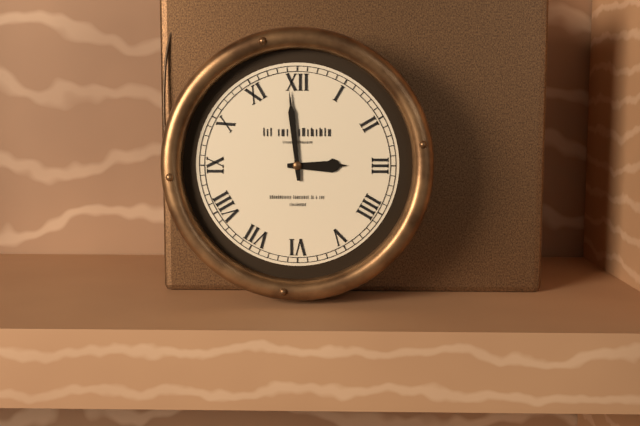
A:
2,59
